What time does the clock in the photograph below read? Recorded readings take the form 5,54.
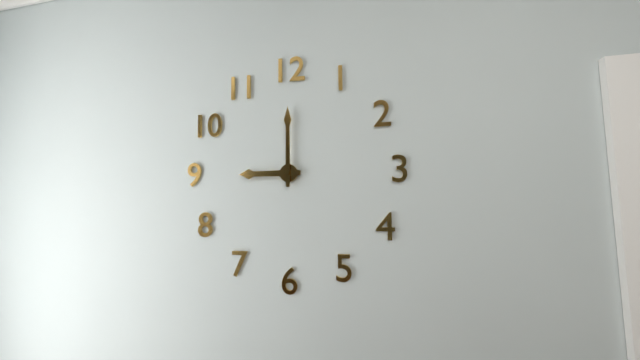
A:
9,00
